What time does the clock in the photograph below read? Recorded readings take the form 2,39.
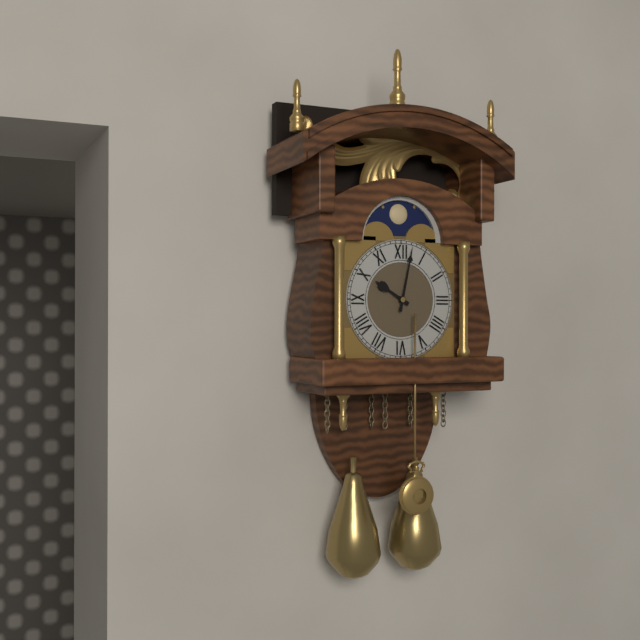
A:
10,02
